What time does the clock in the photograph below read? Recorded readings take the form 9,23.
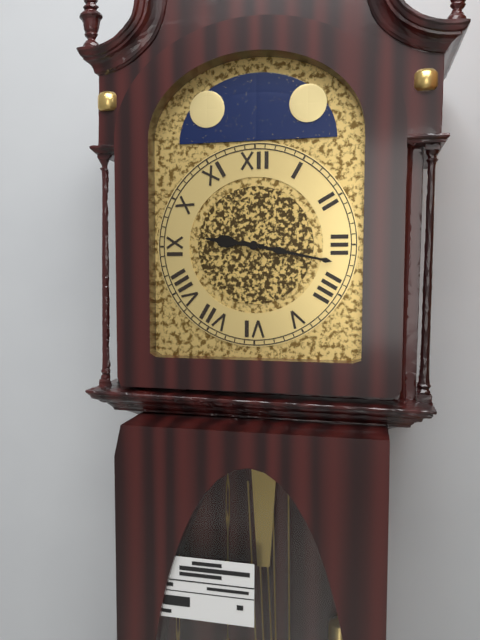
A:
9,17
